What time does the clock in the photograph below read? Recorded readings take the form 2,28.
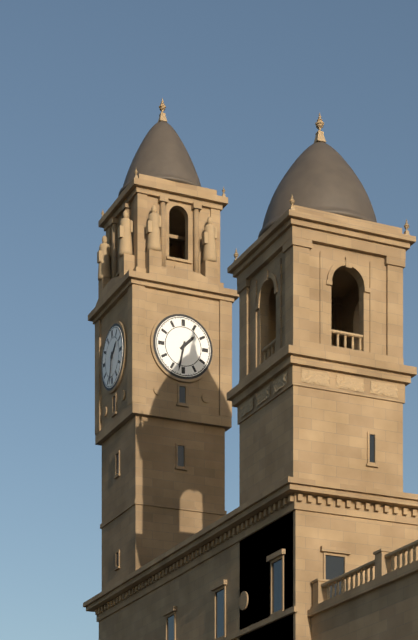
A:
1,32
